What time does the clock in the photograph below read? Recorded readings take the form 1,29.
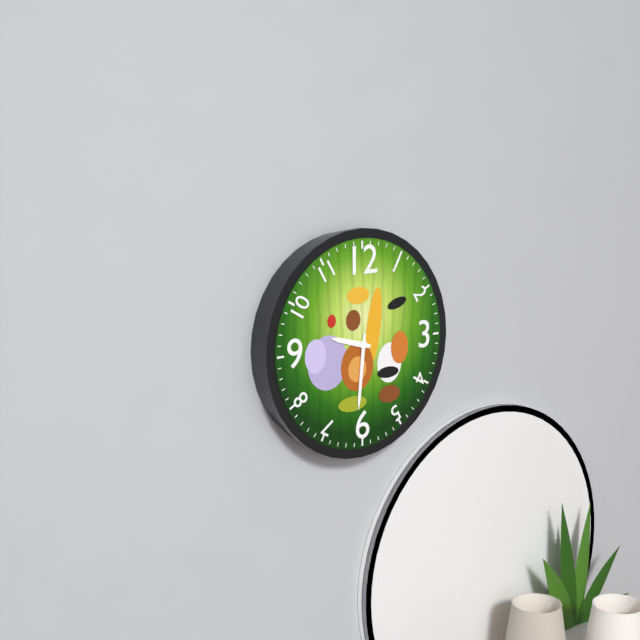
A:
9,31
